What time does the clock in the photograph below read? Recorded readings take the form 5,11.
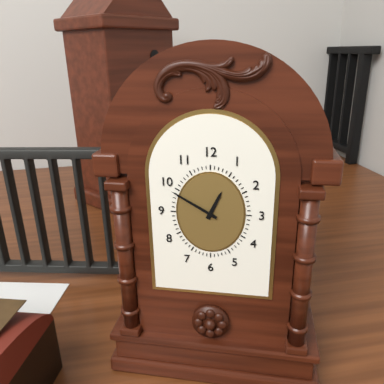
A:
12,50
